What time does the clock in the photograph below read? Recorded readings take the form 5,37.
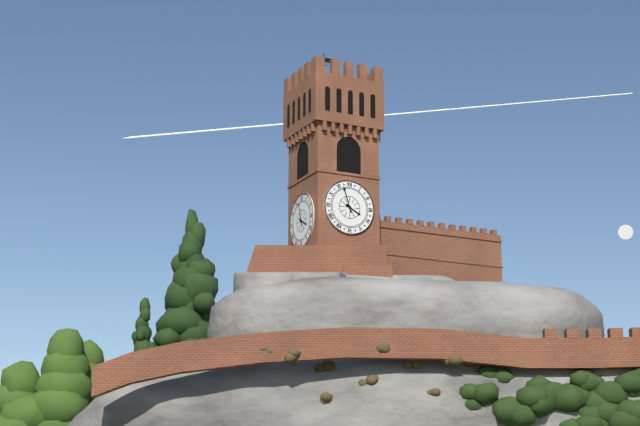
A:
3,57
